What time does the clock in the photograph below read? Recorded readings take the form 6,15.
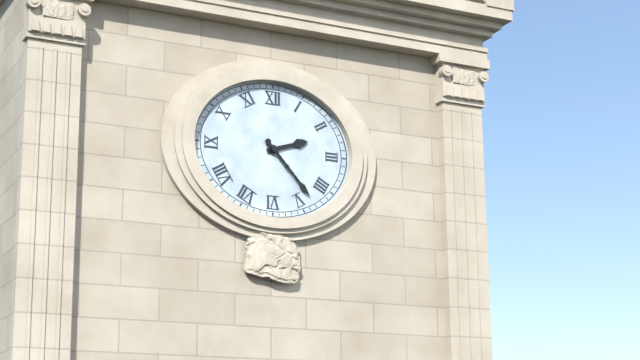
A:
2,23
